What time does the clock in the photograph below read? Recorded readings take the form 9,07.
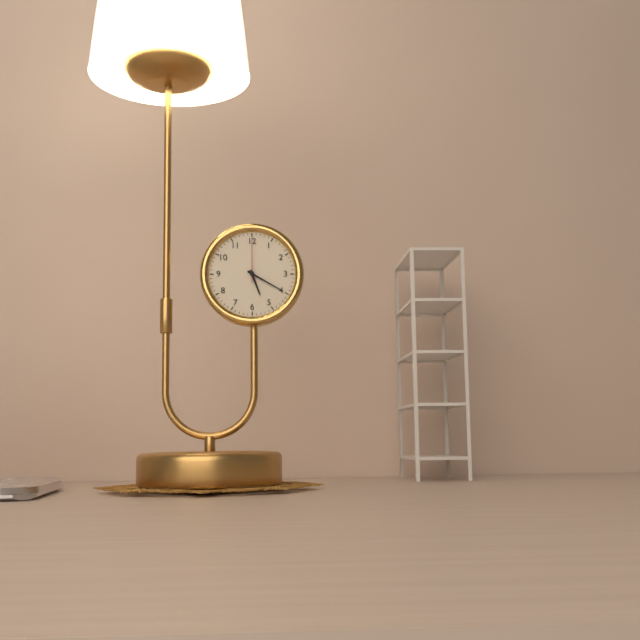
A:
5,20
